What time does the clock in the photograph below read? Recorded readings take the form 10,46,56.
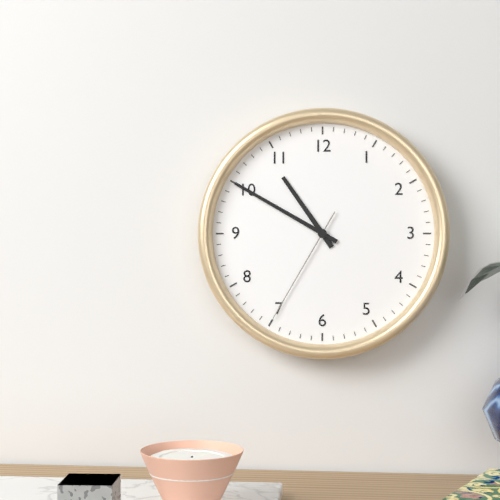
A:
10,50,35
